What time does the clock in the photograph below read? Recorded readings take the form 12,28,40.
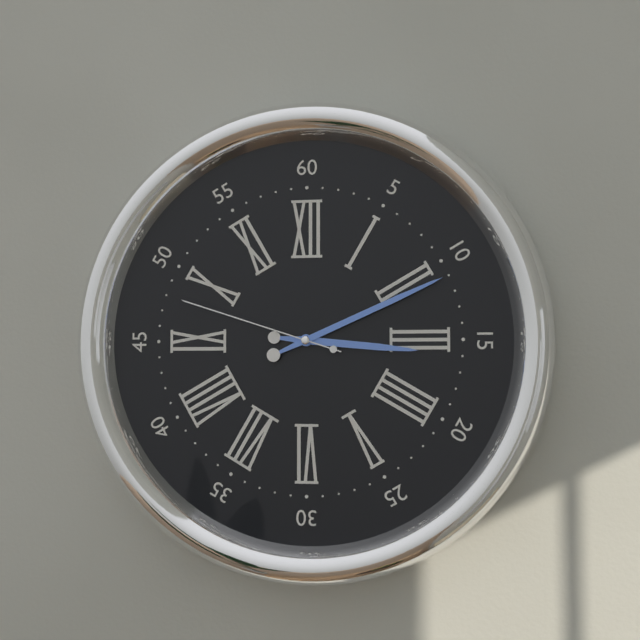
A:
3,11,48
